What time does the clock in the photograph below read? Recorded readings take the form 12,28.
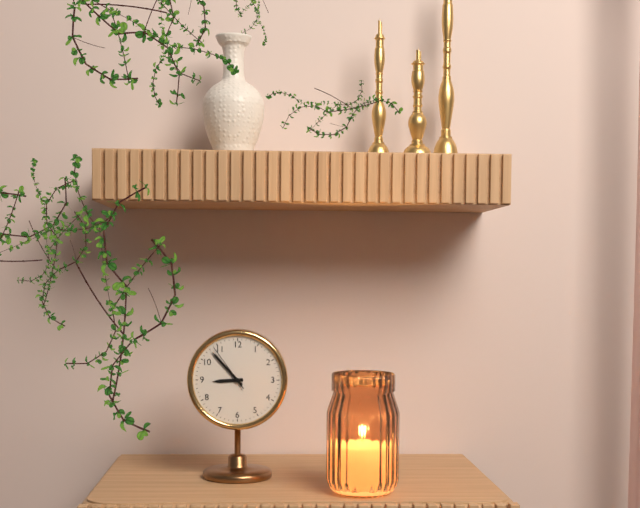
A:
8,53
